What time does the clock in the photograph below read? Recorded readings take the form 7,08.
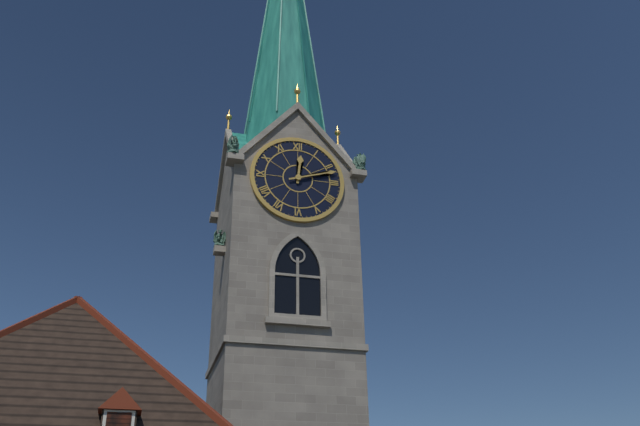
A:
12,12
